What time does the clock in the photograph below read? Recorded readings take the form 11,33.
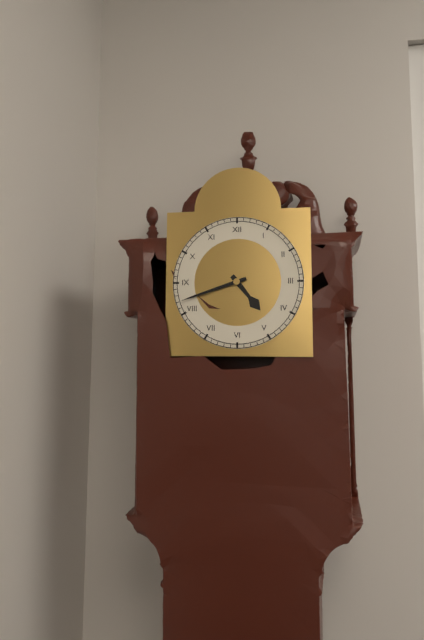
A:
4,42
